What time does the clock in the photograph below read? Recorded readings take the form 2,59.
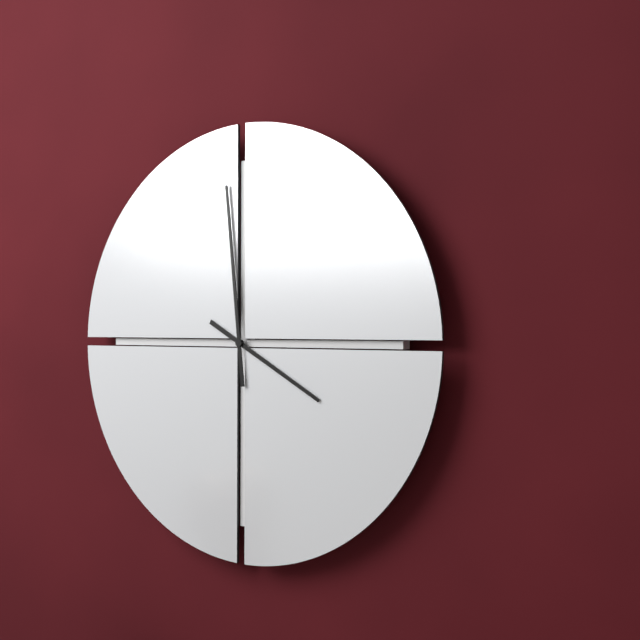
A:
3,59
